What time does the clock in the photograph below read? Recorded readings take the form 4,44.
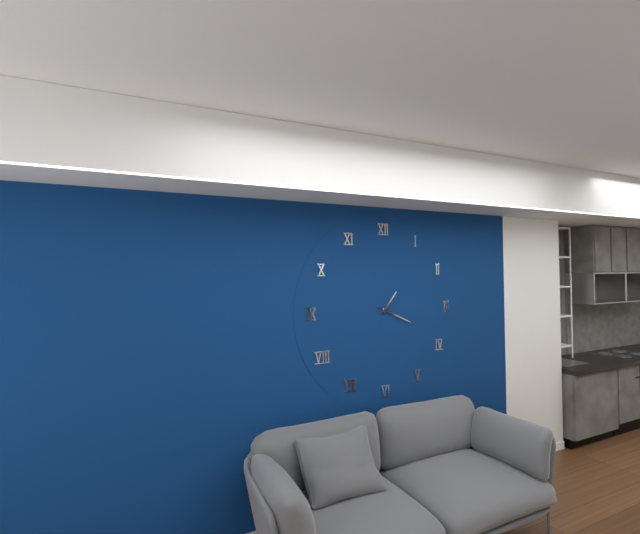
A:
1,19
